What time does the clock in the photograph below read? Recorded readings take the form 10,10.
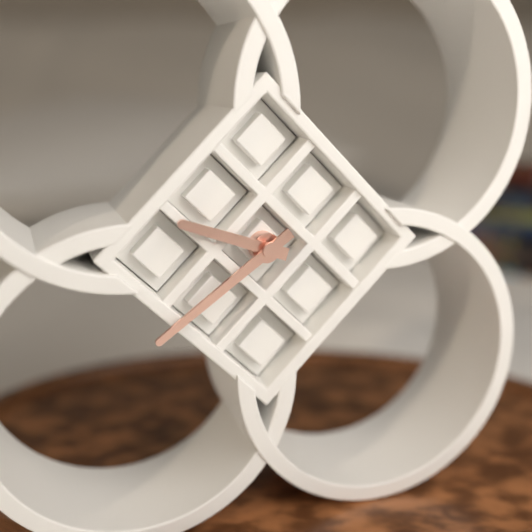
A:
9,39
